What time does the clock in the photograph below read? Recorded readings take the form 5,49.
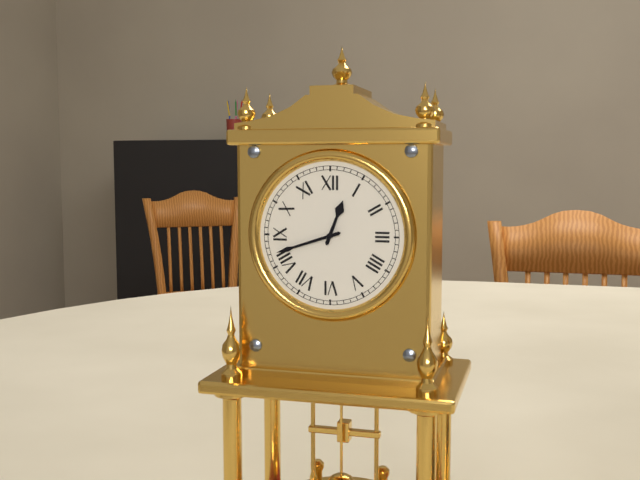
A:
12,42
